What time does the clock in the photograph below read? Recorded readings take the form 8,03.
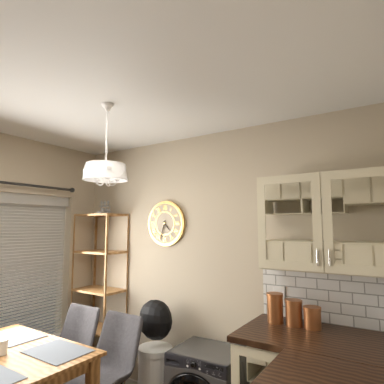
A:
4,33
